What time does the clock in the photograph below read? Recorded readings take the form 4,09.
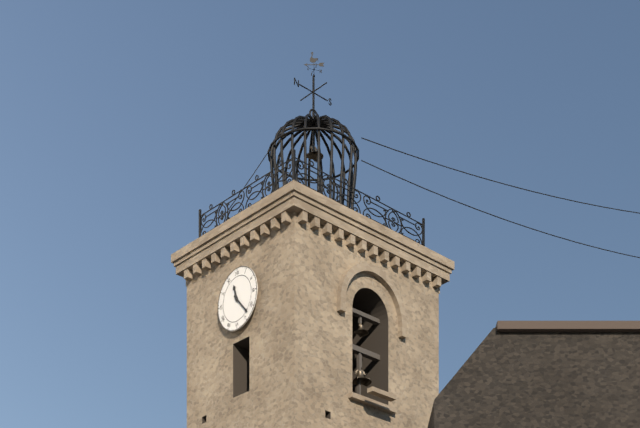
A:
11,23
